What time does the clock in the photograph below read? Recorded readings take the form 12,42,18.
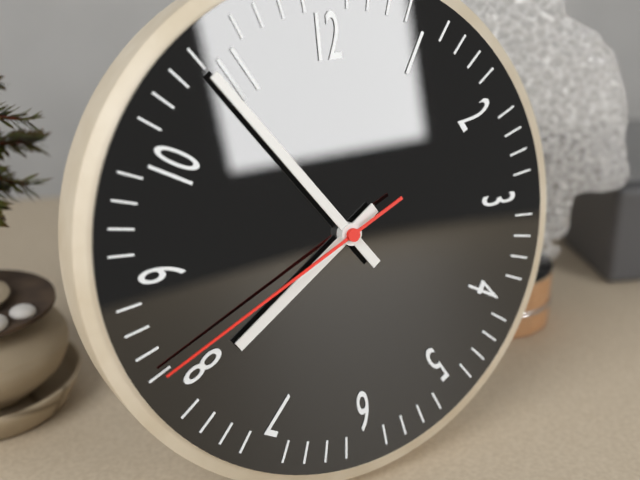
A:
7,54,41
